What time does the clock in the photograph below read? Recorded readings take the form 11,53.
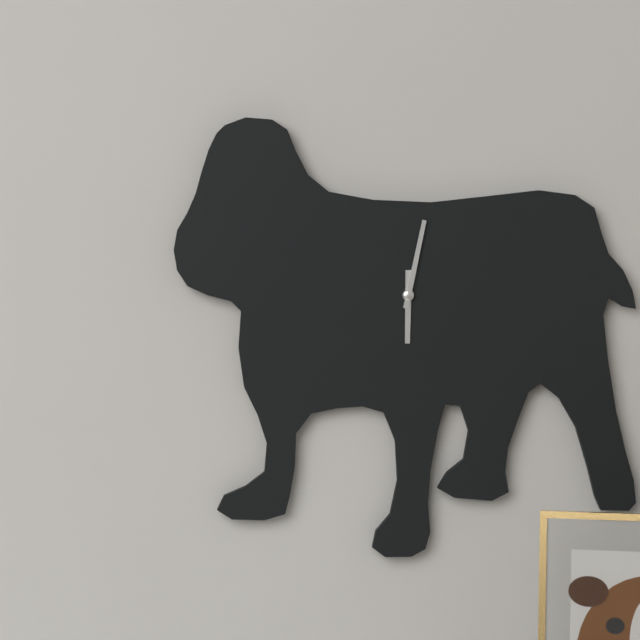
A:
6,02
